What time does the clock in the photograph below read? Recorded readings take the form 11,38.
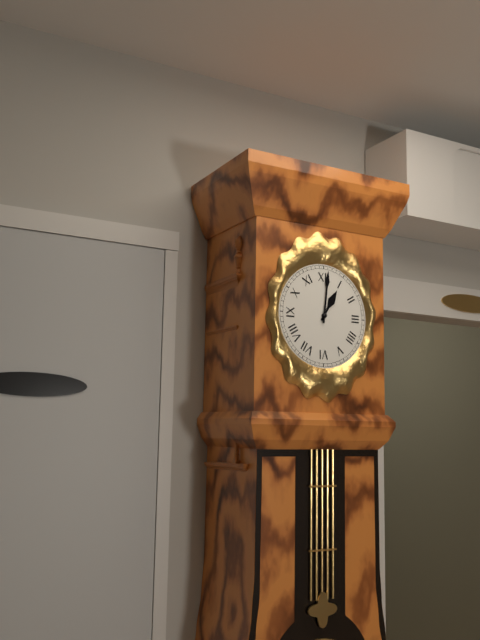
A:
1,01
